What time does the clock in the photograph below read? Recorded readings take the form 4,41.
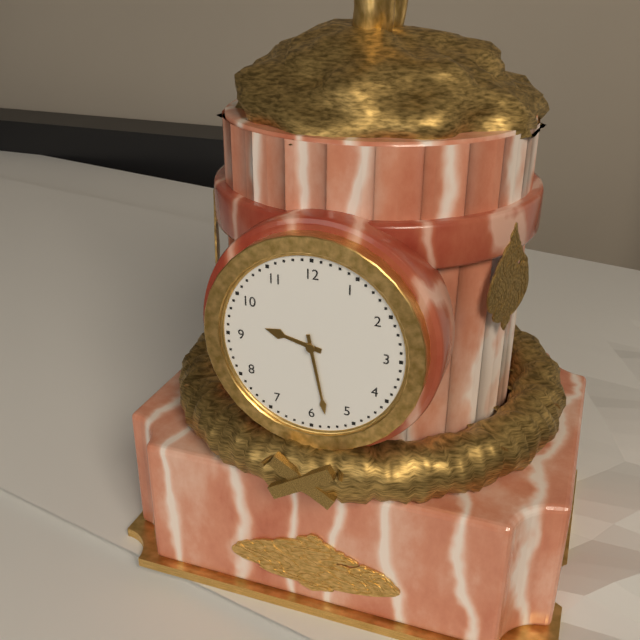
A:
9,28
